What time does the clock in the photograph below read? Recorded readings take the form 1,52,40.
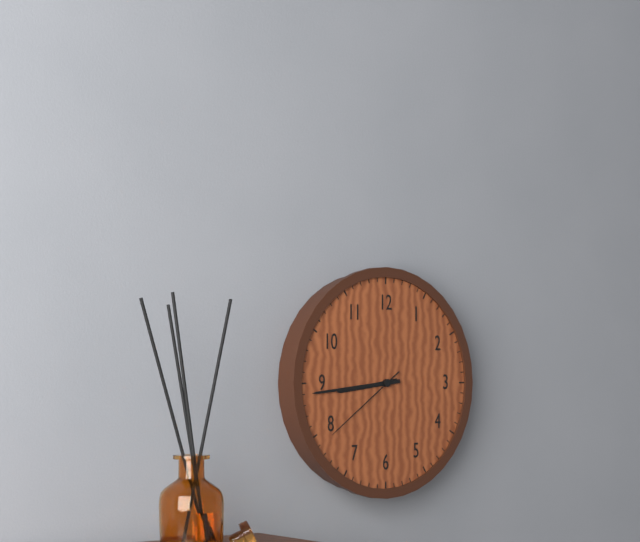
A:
8,44,39
